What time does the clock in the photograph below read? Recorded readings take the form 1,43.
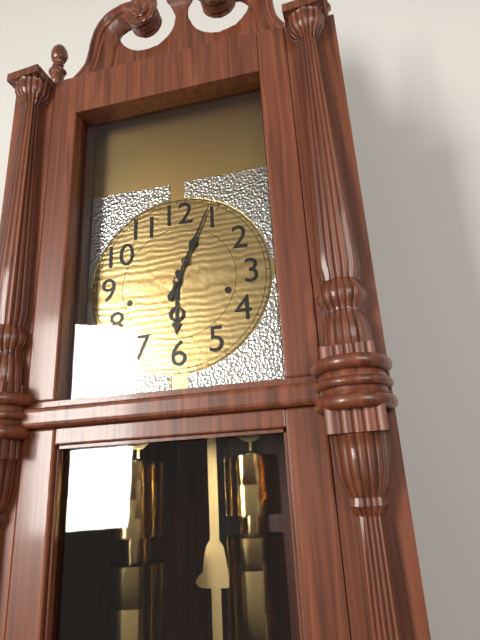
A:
6,04
